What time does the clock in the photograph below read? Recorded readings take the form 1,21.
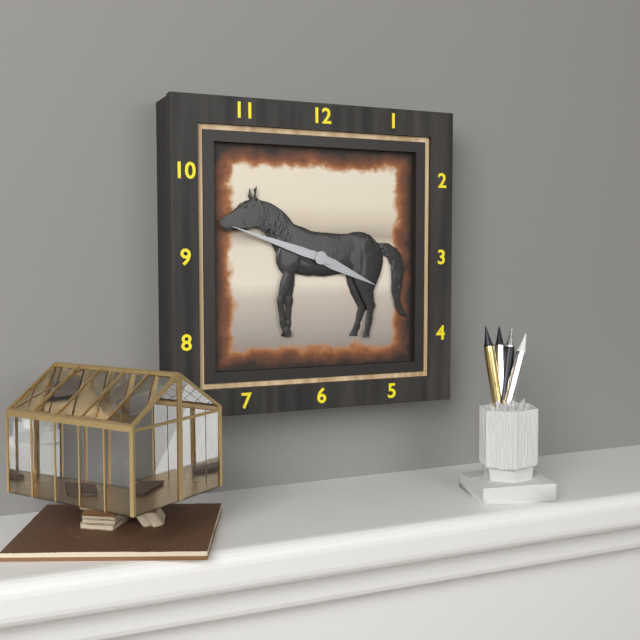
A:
3,48
